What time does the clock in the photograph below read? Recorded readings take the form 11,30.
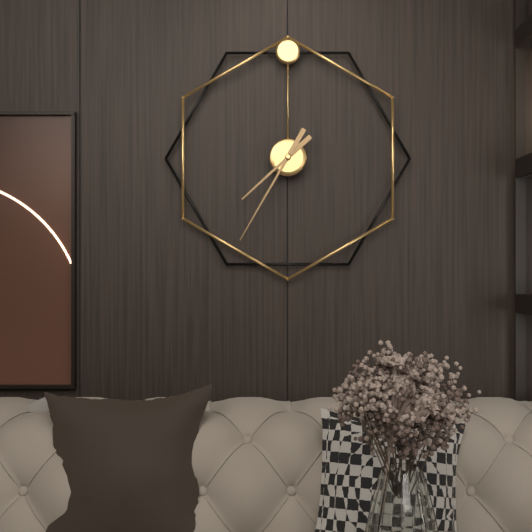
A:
7,35
